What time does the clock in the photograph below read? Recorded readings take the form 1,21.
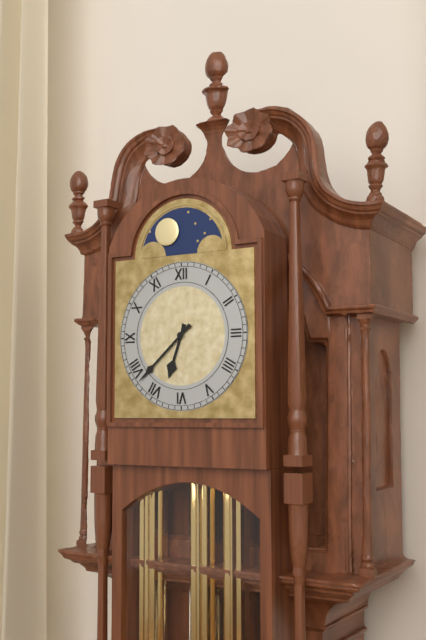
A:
6,38
